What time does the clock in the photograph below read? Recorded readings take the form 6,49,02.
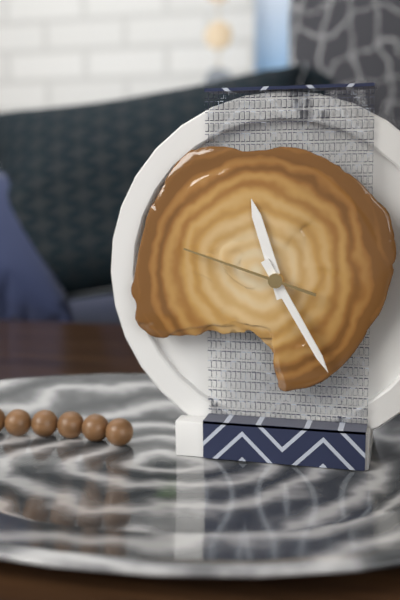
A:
11,25,48
